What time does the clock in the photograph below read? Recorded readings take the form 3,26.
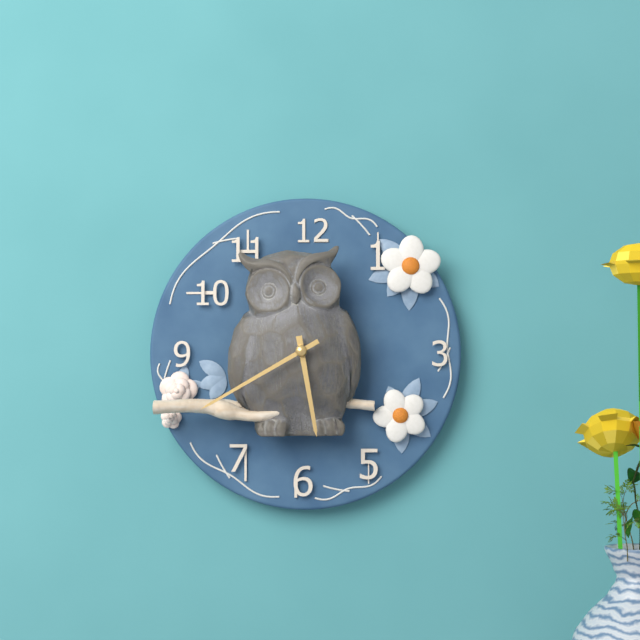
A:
5,40
